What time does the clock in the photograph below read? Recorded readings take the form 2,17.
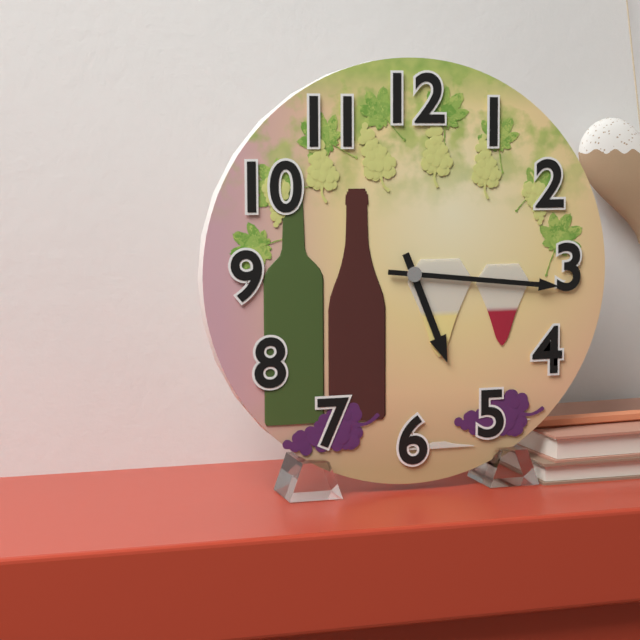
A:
5,16
